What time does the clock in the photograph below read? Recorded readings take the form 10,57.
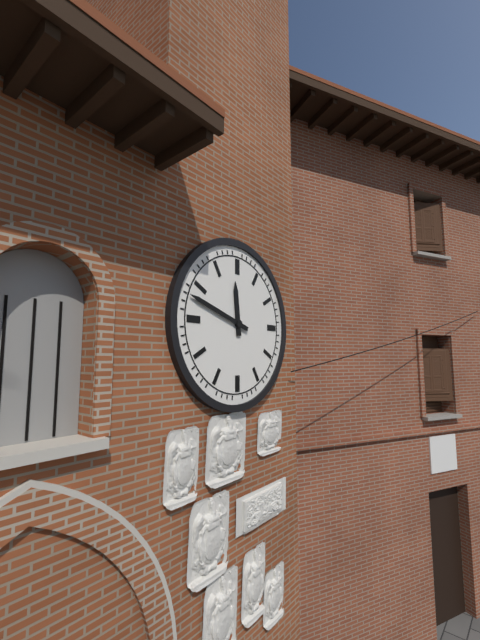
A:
11,48
